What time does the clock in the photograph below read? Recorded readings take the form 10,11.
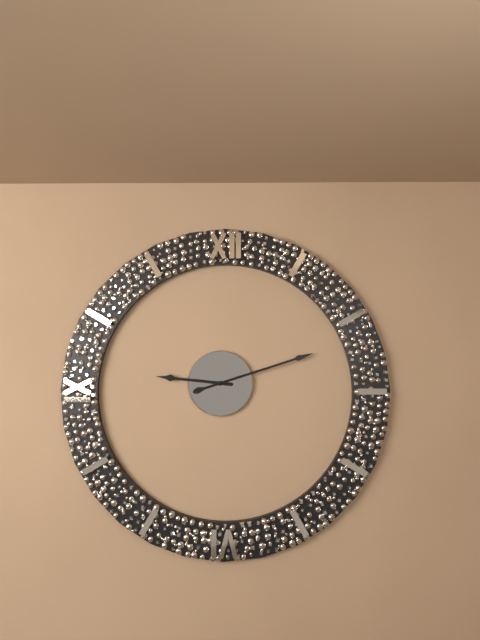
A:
9,12
